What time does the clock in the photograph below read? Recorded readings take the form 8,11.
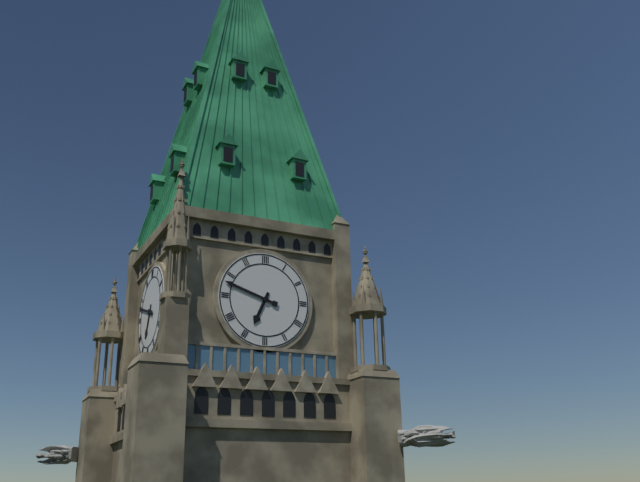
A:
6,48
